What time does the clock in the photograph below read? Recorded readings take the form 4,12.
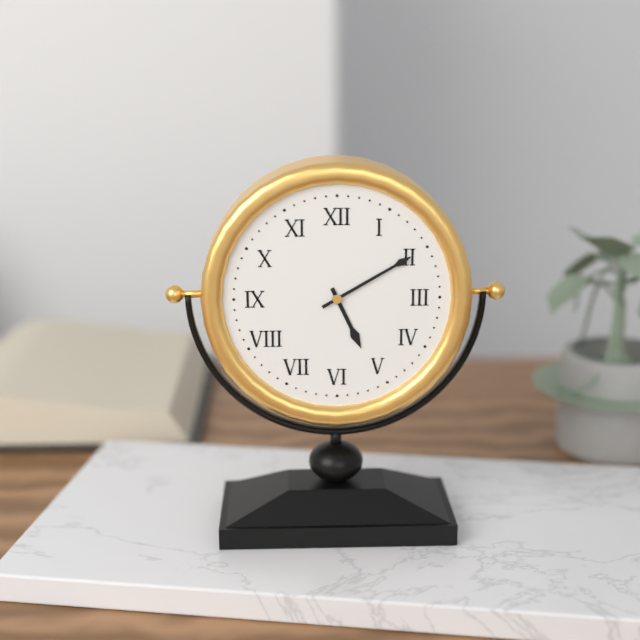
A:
5,10
